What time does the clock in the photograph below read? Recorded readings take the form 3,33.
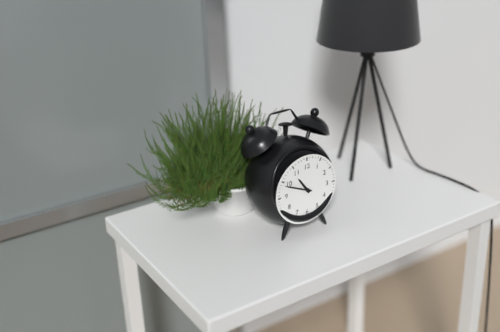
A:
10,49
